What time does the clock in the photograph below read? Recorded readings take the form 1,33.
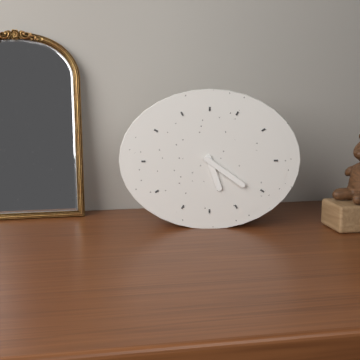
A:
5,21
